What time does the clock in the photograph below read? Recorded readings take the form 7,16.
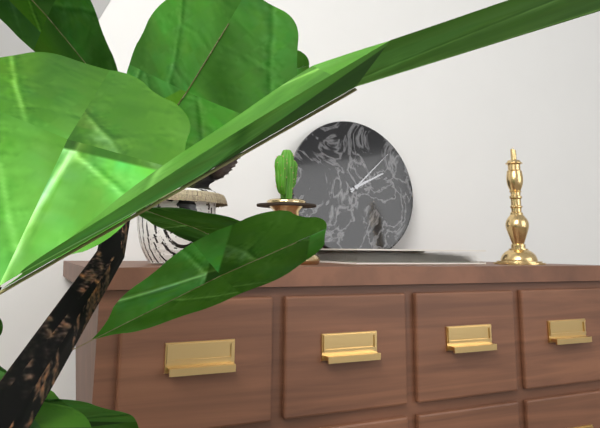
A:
2,08
